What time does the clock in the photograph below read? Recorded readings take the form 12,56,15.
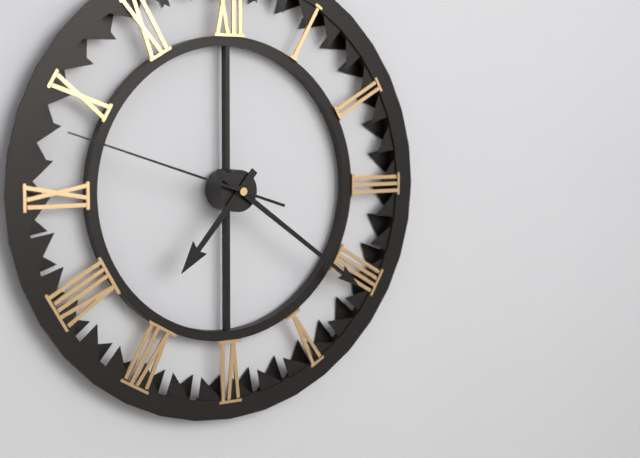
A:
7,21,48
